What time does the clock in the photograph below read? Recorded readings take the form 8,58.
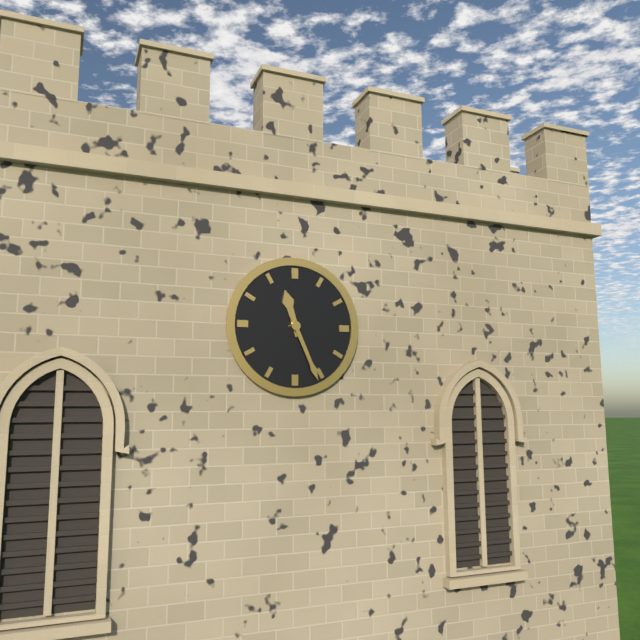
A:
11,26
